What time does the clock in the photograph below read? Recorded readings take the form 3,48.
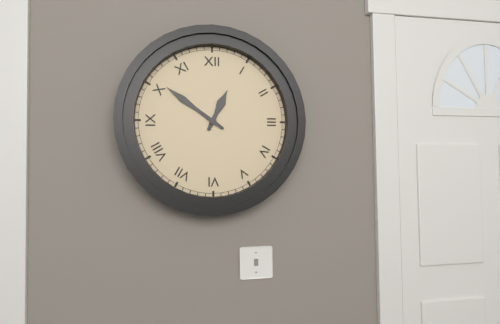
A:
12,51
